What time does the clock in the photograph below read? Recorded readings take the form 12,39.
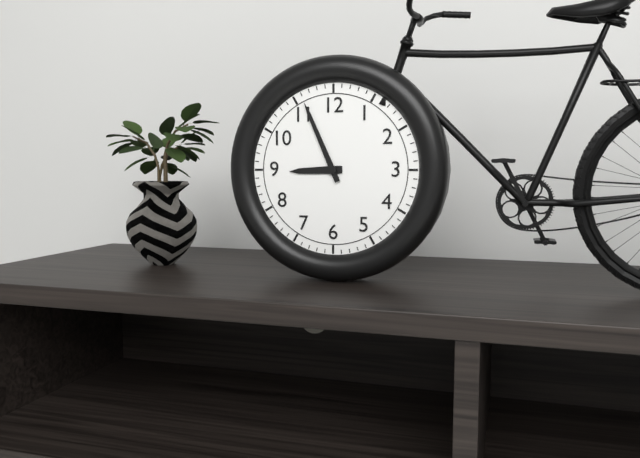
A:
8,56
